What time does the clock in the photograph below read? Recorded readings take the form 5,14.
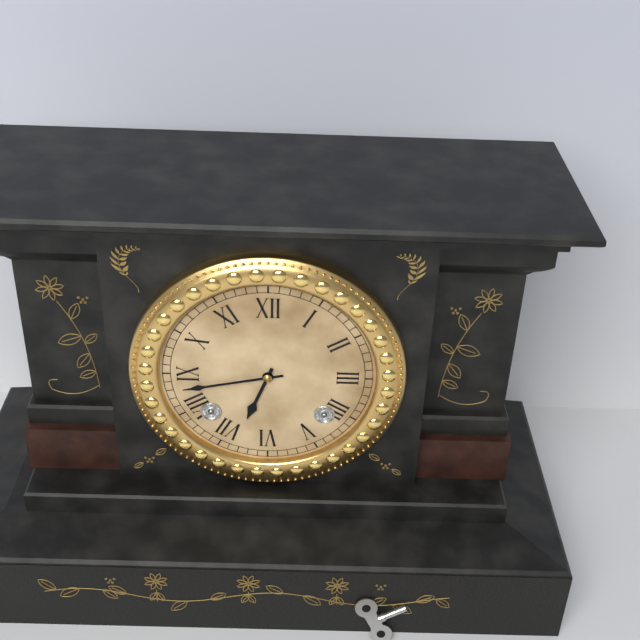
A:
6,43
